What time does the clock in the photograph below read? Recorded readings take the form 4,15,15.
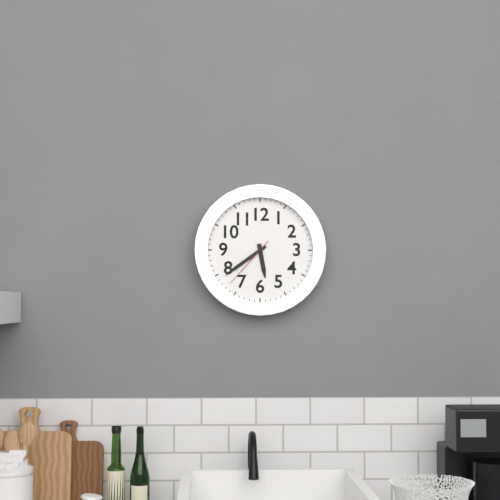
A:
5,39,37
